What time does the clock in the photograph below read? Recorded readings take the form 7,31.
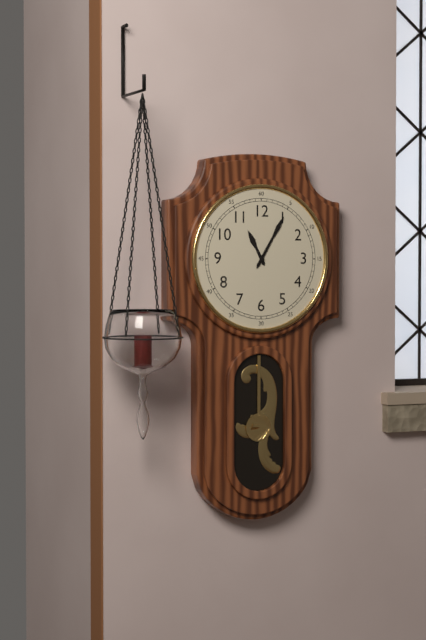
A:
11,05
